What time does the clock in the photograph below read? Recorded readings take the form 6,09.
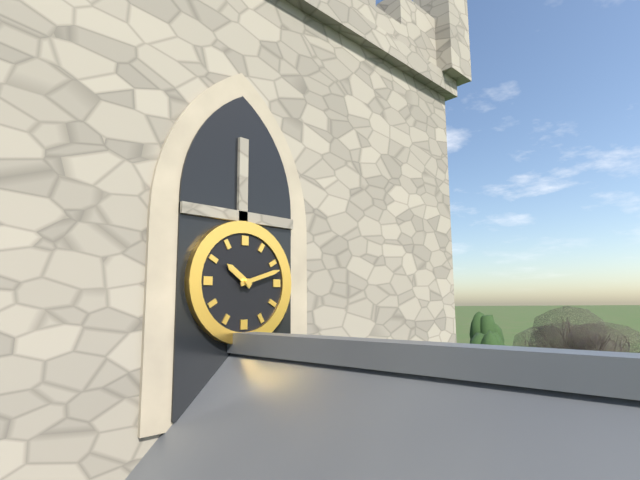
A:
10,12
